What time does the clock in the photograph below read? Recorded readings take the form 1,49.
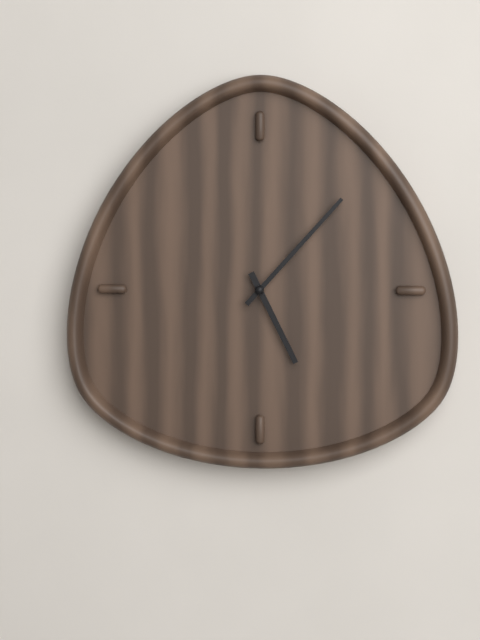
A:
5,07
